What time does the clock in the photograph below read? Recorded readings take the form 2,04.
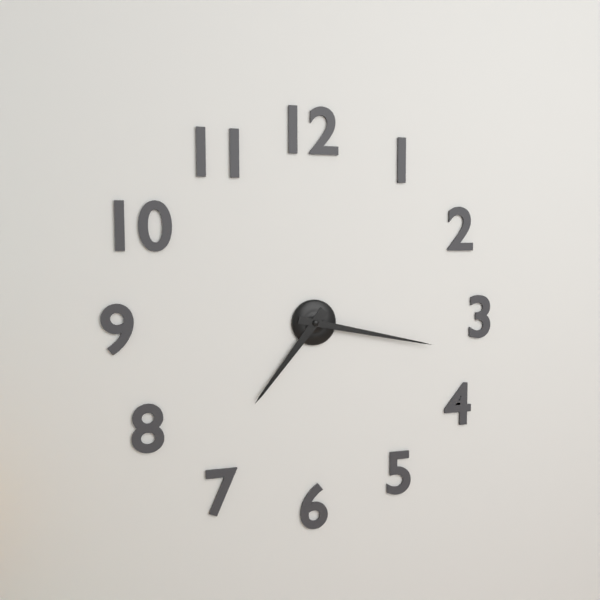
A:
7,17
